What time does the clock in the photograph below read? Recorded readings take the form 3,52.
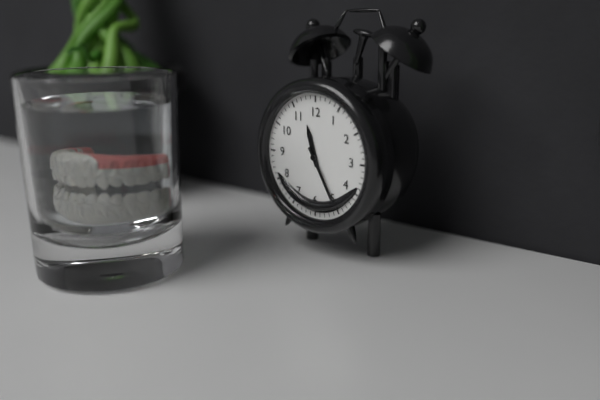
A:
11,25
